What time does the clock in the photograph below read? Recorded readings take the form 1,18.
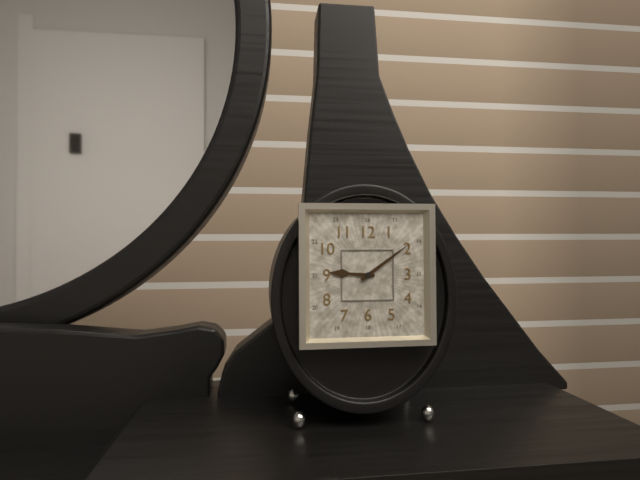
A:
9,09
